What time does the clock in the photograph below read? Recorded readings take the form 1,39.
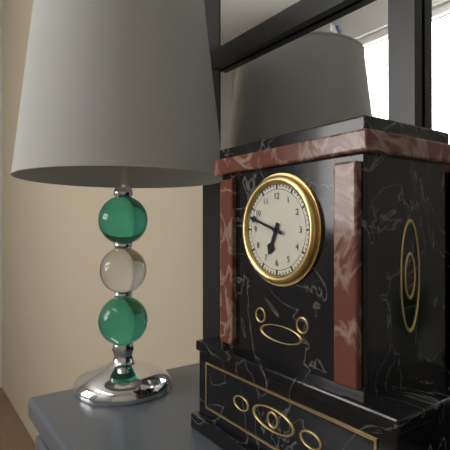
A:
6,48
